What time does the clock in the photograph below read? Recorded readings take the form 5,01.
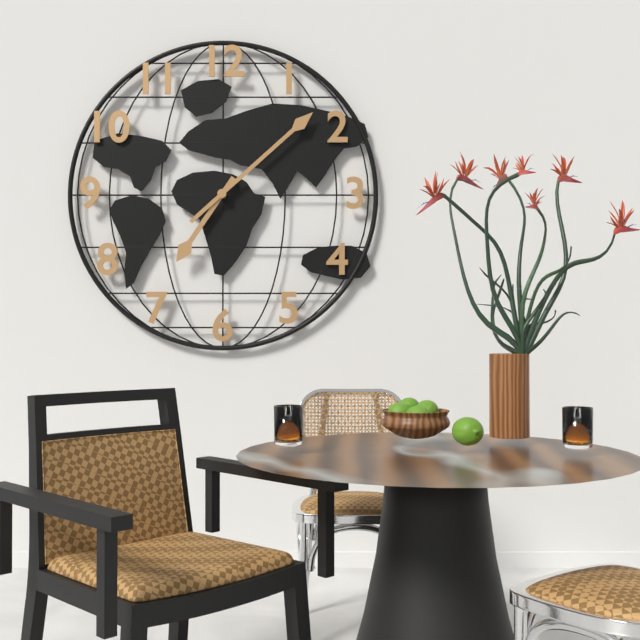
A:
7,08
